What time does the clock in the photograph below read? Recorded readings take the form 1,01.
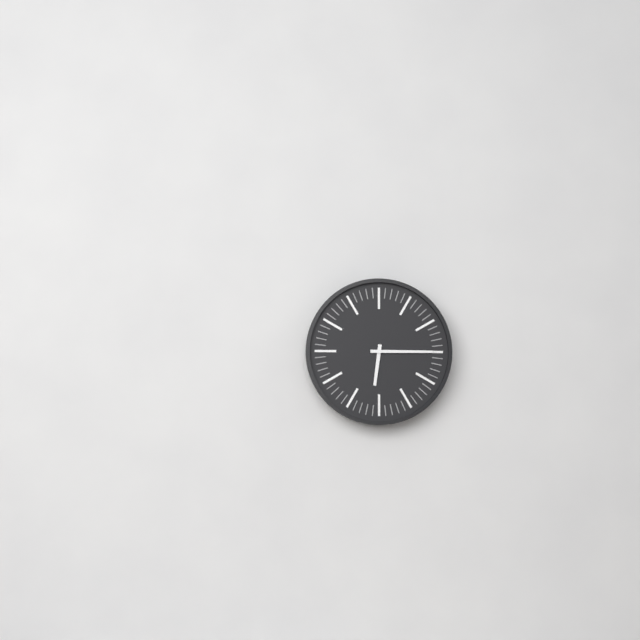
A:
6,15
